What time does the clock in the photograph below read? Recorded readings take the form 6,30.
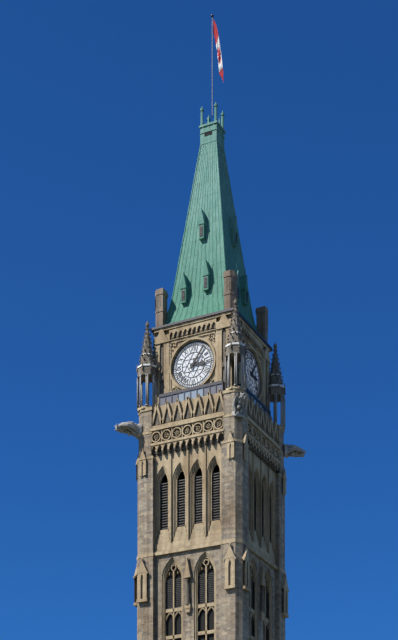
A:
3,06
